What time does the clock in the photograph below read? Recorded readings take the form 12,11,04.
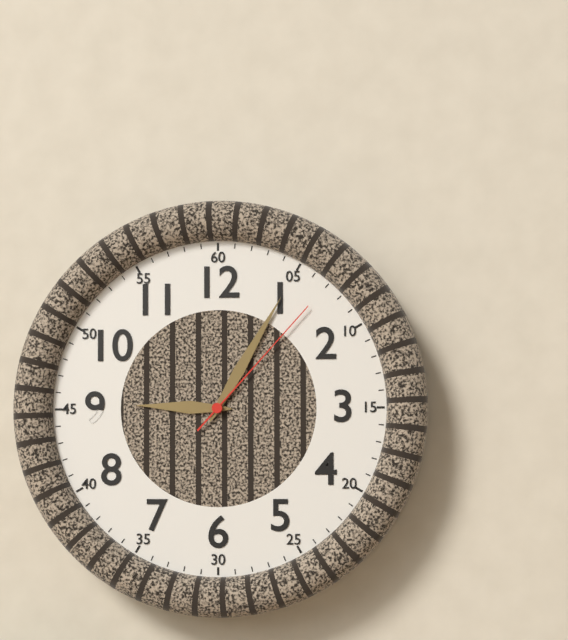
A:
9,05,07
